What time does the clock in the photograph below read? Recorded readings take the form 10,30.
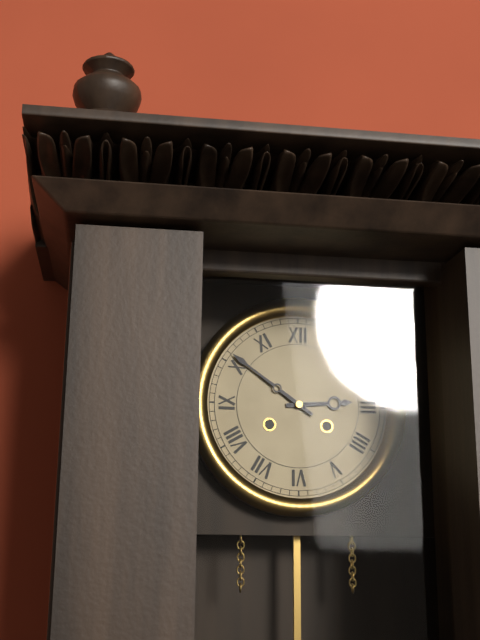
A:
2,51
